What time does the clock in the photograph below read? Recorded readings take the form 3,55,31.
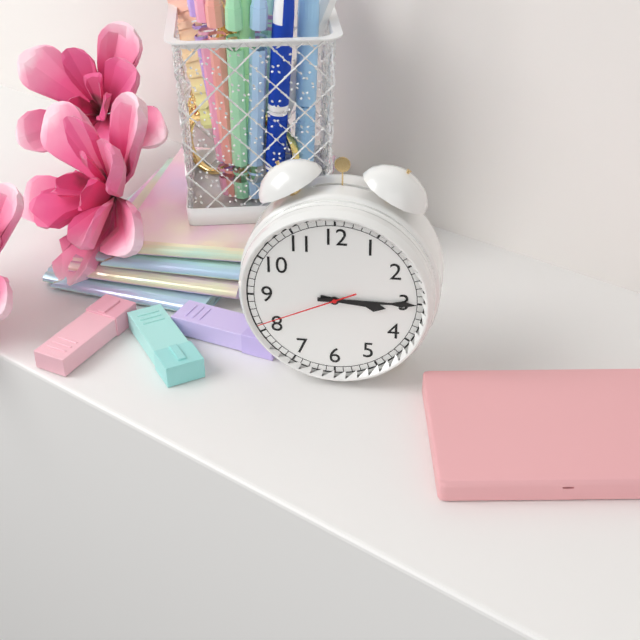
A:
3,15,41
